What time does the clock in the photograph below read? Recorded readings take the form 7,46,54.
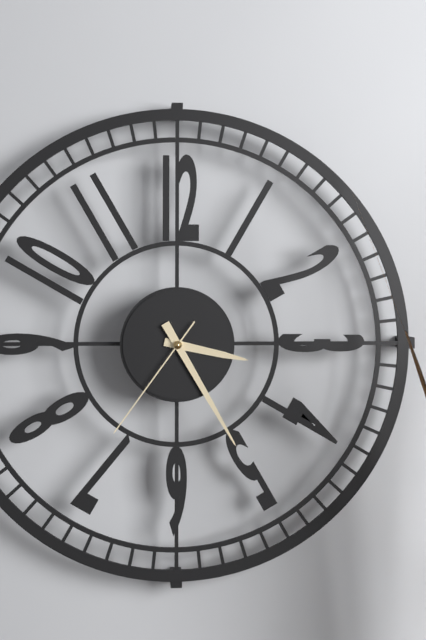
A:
3,25,36
